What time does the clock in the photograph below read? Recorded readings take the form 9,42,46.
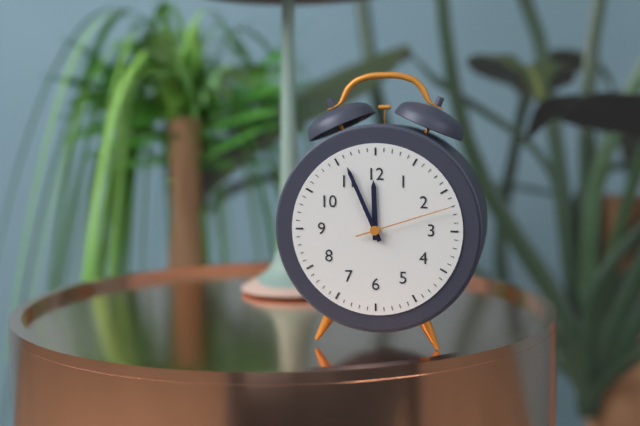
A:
11,56,12
